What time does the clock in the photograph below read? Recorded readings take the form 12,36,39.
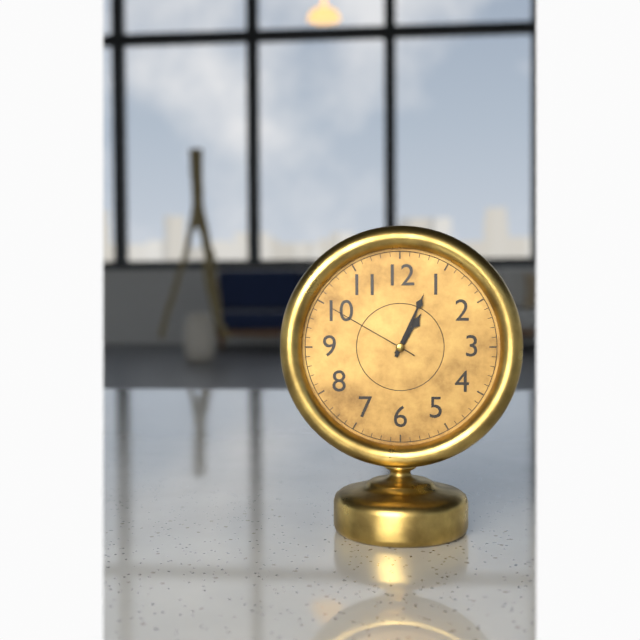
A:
1,04,50
